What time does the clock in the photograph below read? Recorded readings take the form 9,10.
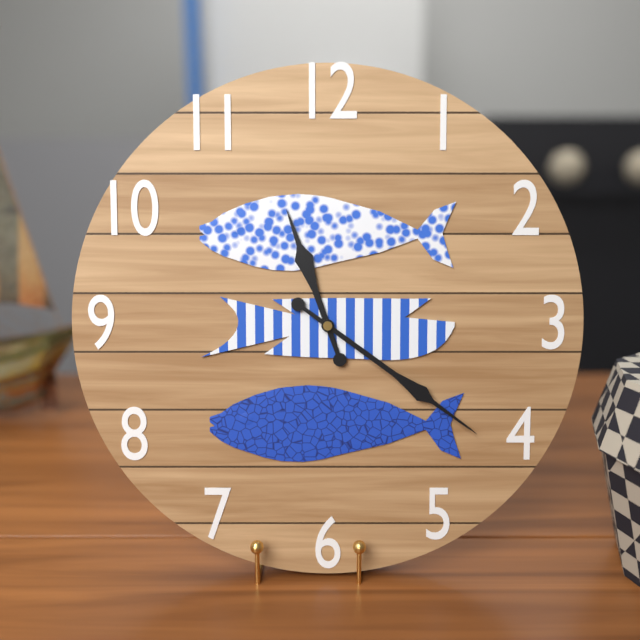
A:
11,21
